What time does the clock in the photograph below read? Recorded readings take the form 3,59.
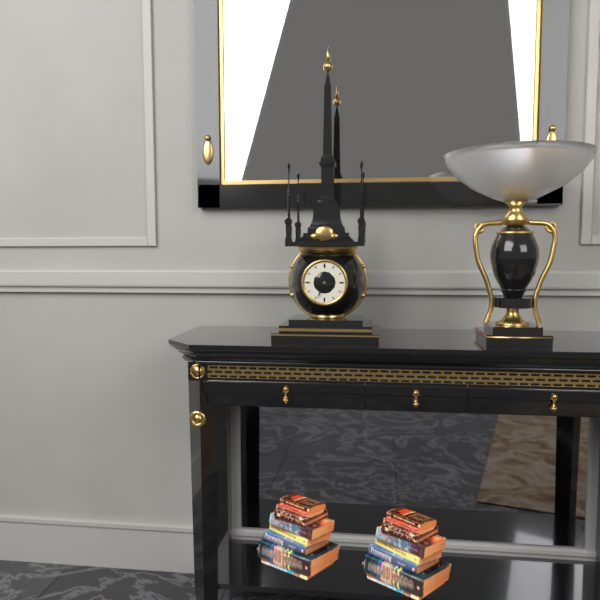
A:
2,34
